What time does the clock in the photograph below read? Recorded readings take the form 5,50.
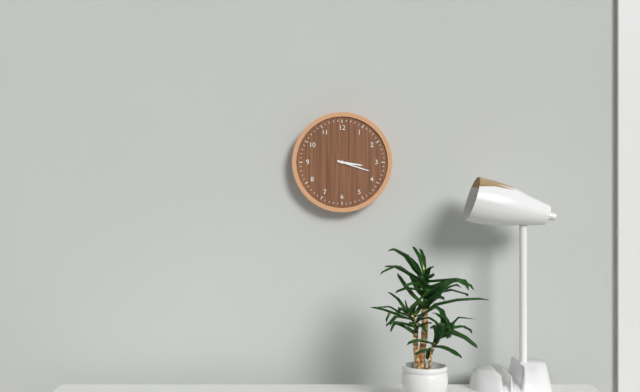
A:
3,18
